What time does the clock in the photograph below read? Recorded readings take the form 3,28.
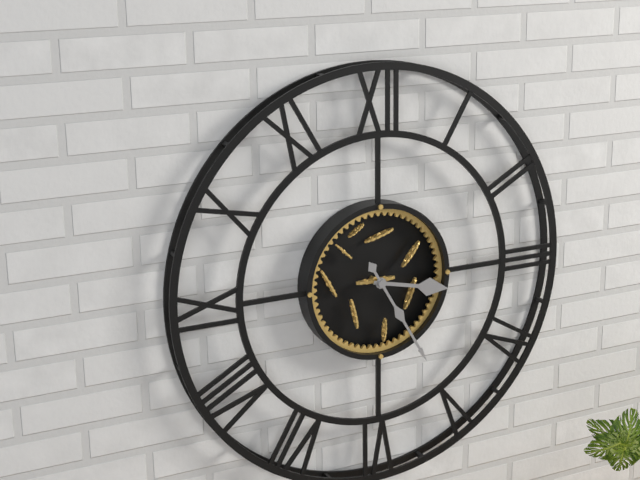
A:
3,25
